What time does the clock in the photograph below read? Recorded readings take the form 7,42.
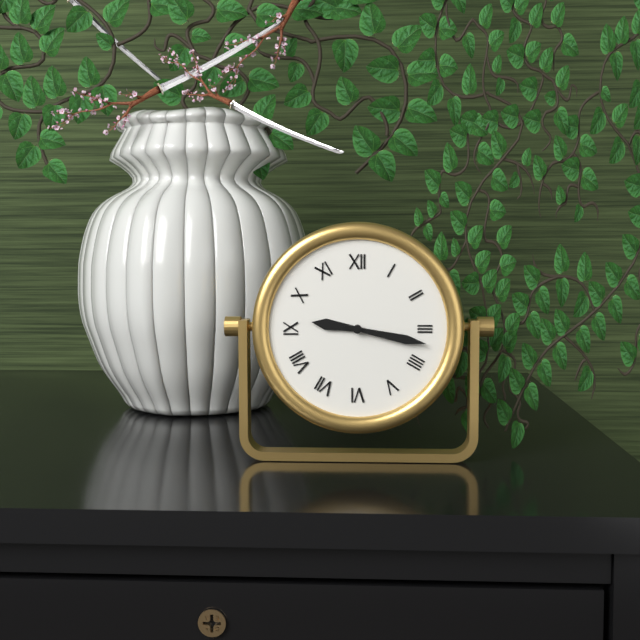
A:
9,17
